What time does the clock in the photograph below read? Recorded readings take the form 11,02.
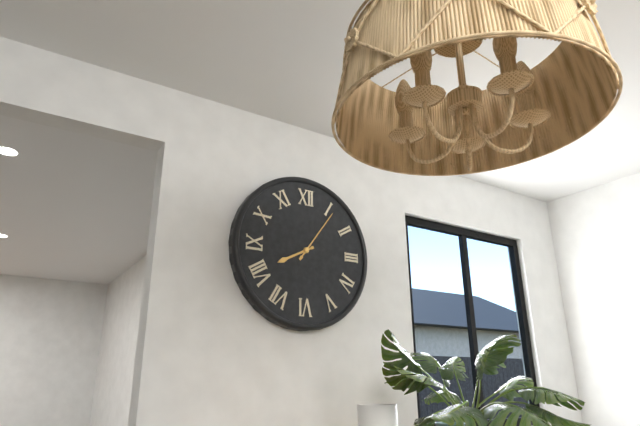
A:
8,06
